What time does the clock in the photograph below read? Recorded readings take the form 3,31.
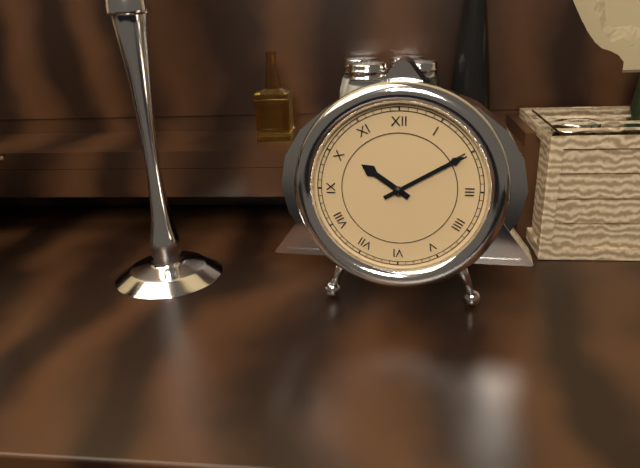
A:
10,10
